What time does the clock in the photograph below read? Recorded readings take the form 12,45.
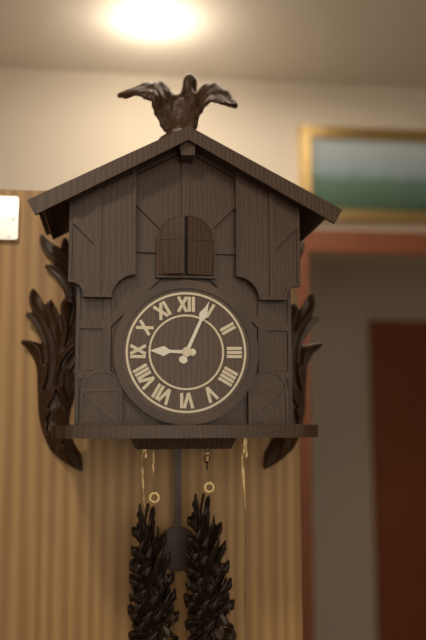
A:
9,04
